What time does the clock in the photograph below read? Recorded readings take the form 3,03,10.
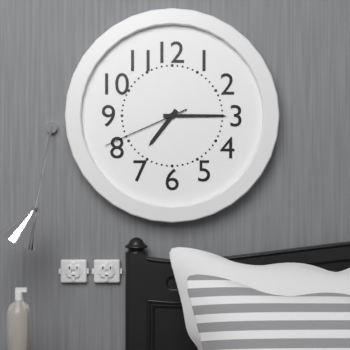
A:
7,15,41
